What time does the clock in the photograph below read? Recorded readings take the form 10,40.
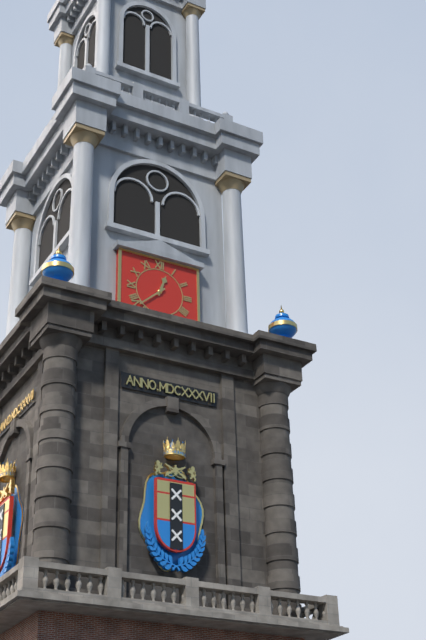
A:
12,38
